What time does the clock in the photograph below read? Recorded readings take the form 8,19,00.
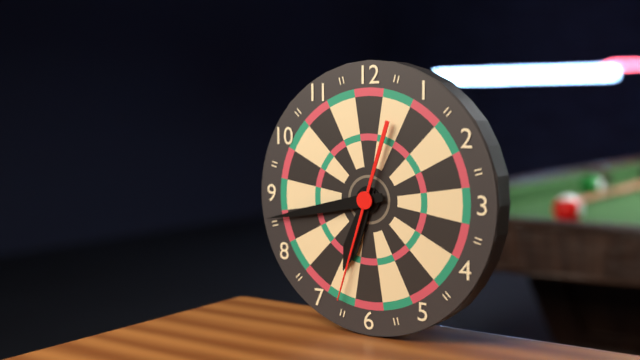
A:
6,43,33
